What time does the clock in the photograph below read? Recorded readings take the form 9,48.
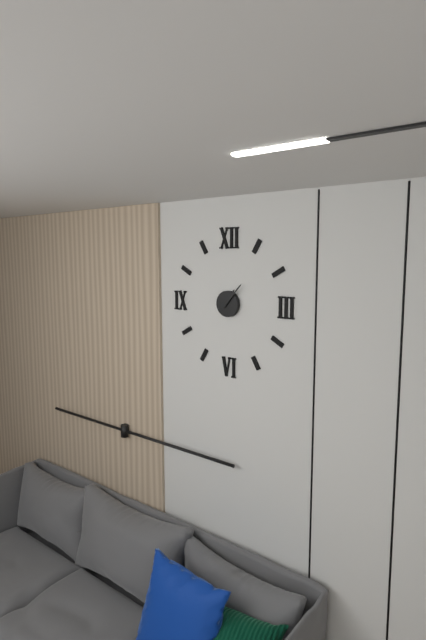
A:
1,07
